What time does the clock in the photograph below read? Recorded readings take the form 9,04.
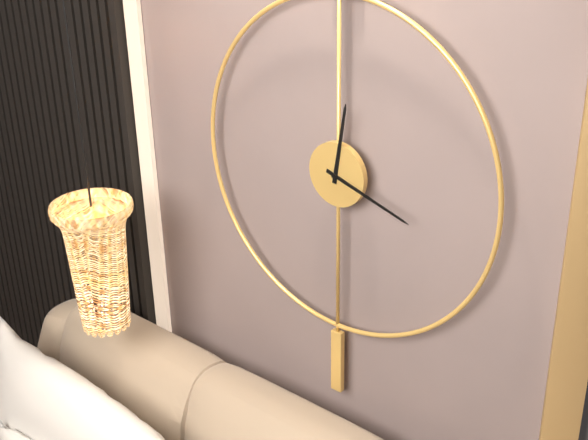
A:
12,18
